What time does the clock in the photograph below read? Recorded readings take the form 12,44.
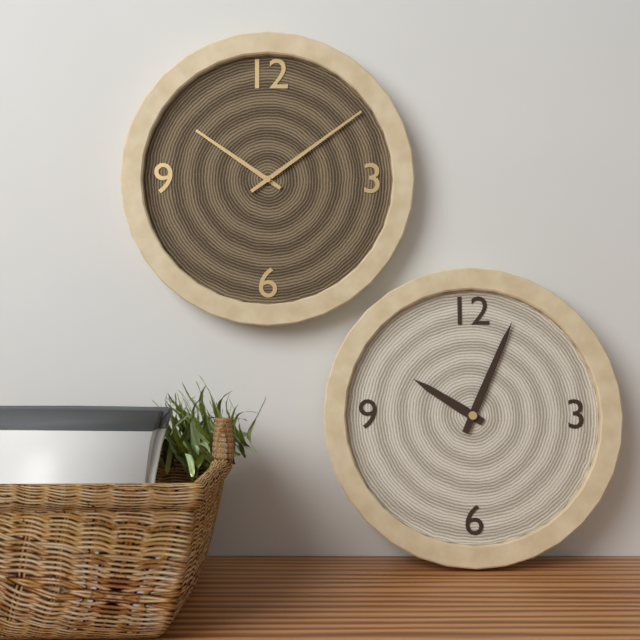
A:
10,04
